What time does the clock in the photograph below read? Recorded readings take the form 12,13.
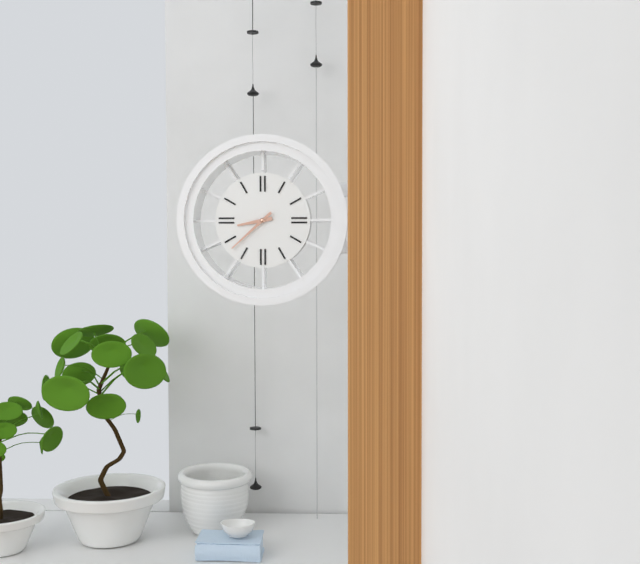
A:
8,38
